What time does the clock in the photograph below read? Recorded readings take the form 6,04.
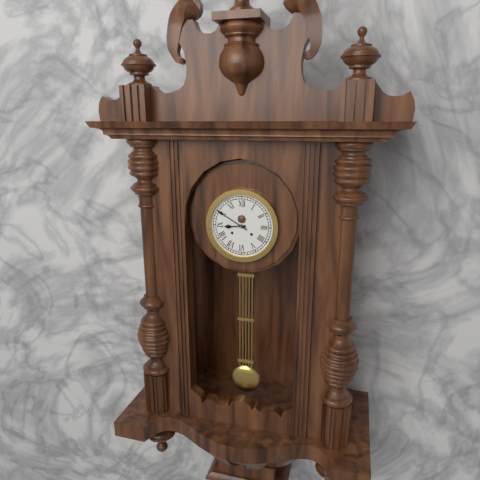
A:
8,50
